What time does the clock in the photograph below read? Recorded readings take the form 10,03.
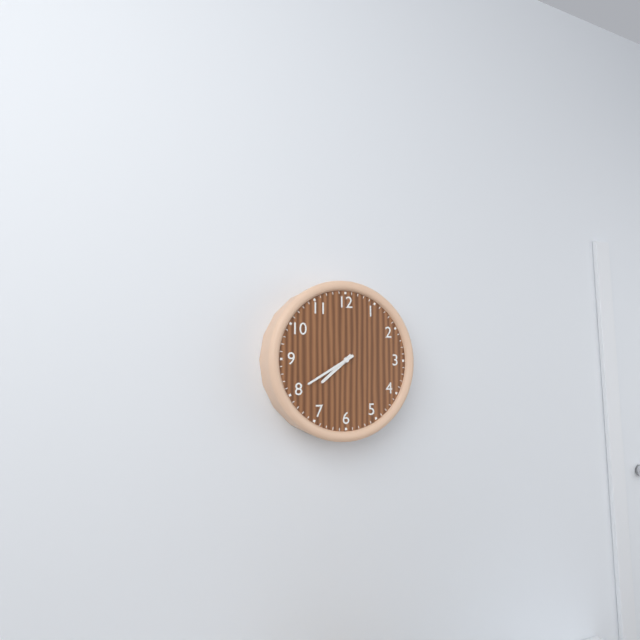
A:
7,40
